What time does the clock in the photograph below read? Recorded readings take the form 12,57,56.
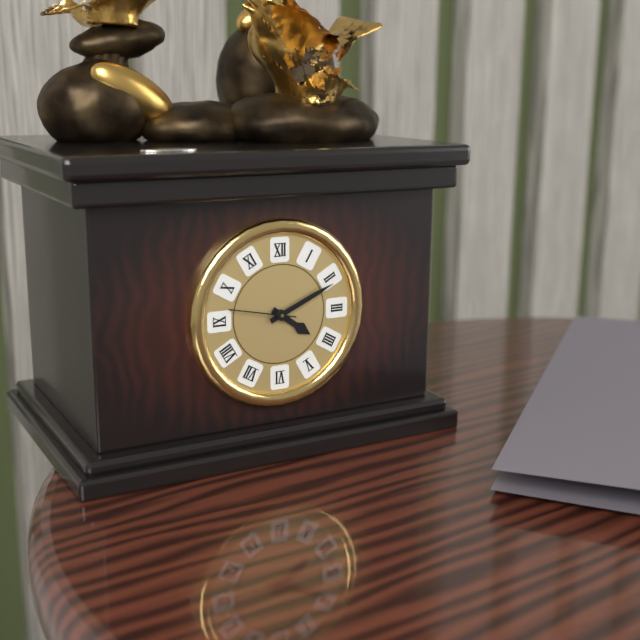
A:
4,11,47
